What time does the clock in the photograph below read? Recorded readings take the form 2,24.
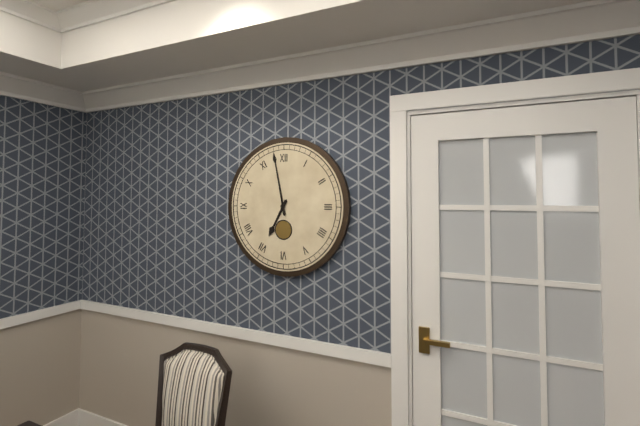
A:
6,58
